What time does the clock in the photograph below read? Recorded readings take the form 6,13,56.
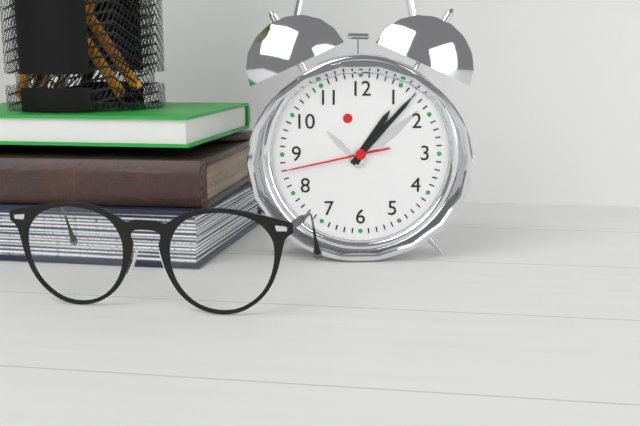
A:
1,07,43
